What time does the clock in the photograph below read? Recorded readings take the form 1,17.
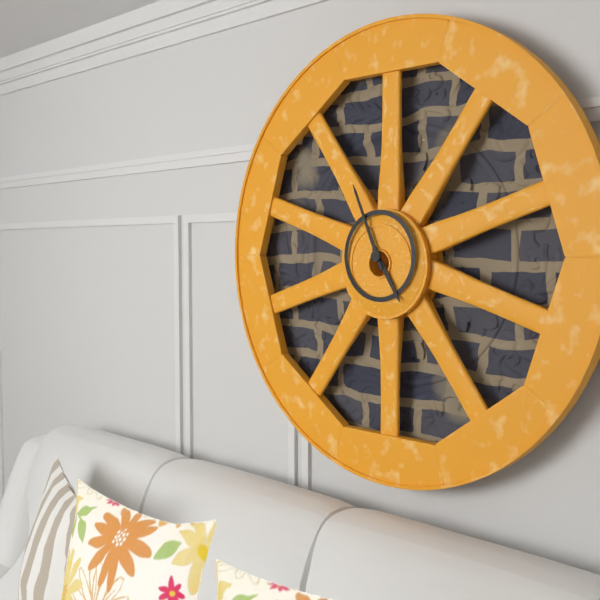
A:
4,56
